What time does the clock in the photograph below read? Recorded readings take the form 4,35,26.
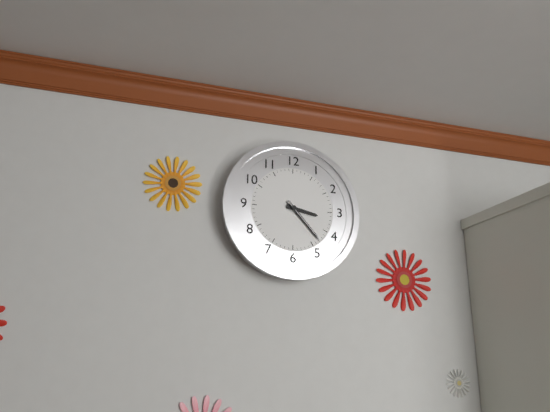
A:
3,23,23
